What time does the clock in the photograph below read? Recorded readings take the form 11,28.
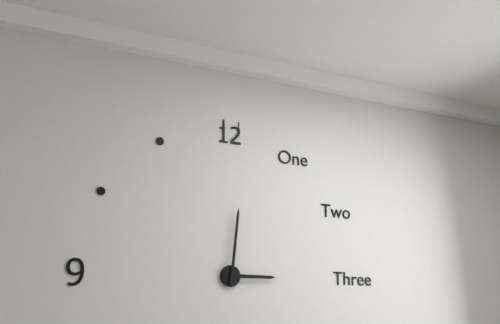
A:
3,01
